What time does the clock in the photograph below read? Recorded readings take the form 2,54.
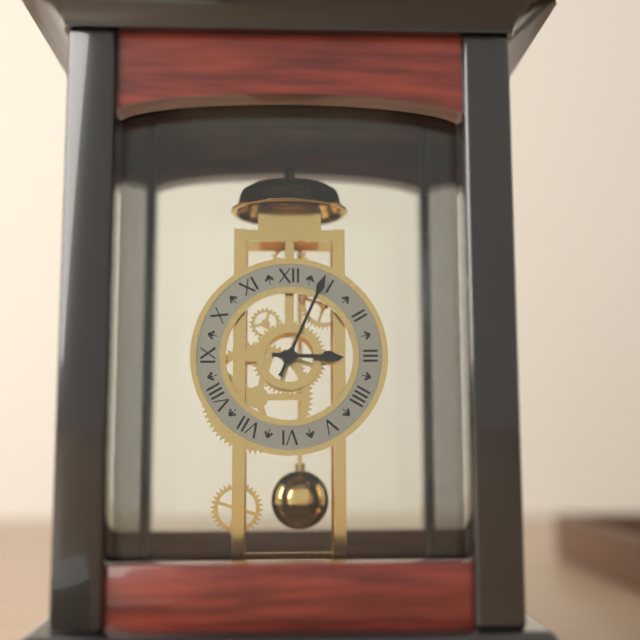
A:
3,04
